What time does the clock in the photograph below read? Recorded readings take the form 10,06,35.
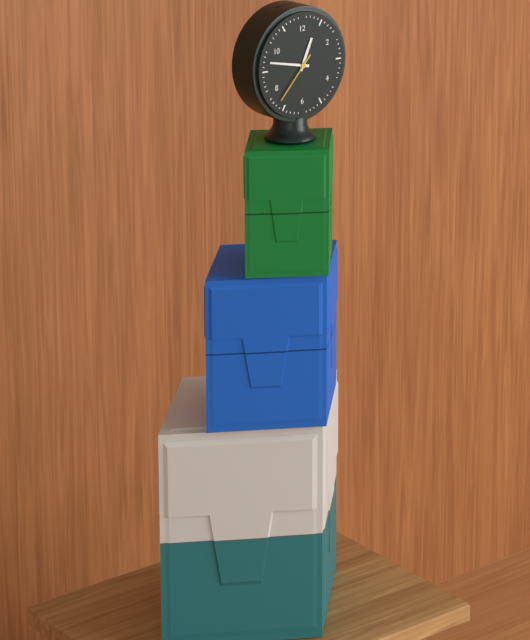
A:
12,47,37
